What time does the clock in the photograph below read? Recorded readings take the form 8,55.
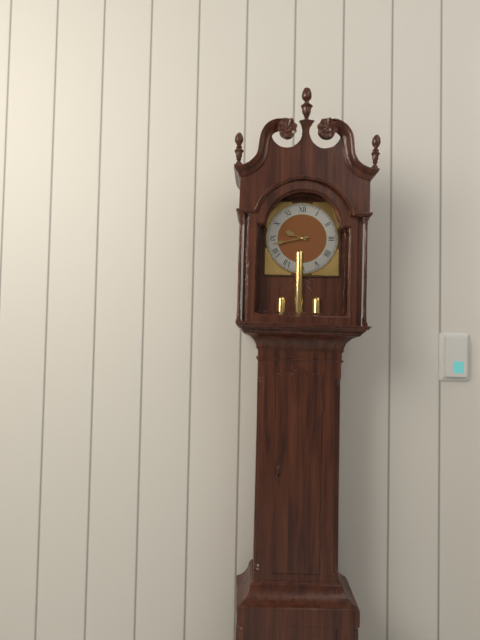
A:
9,43
